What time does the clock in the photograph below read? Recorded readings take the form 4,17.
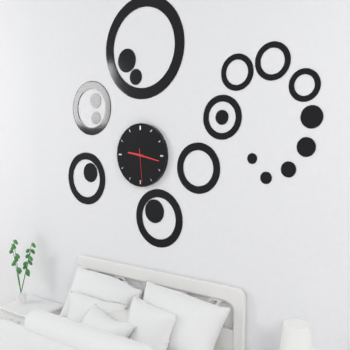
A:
9,17
